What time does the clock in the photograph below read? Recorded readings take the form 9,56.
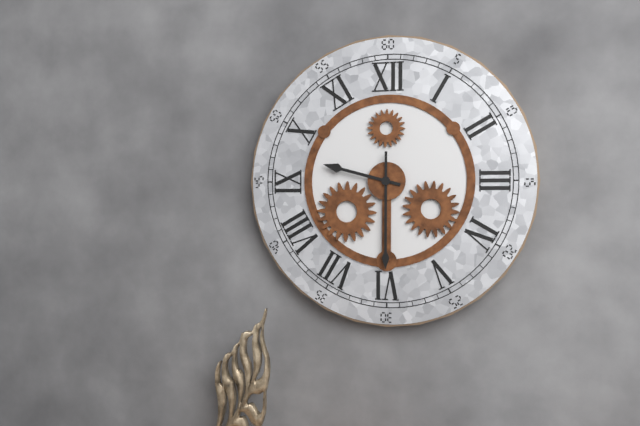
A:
9,30
